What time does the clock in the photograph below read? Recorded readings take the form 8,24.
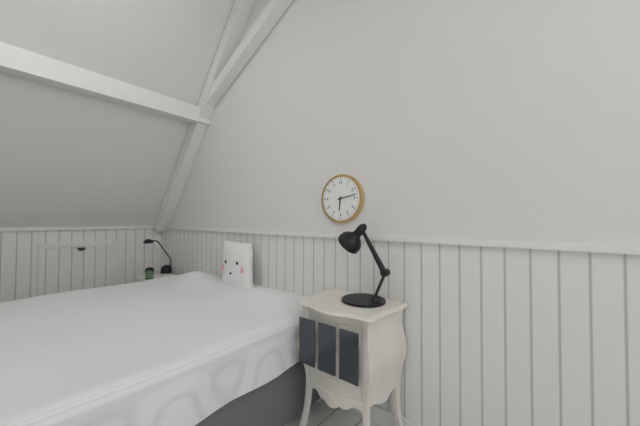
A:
6,13
